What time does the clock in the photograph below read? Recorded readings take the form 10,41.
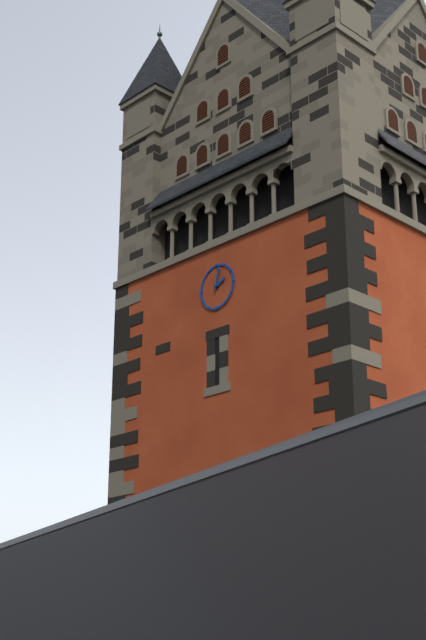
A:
2,02
